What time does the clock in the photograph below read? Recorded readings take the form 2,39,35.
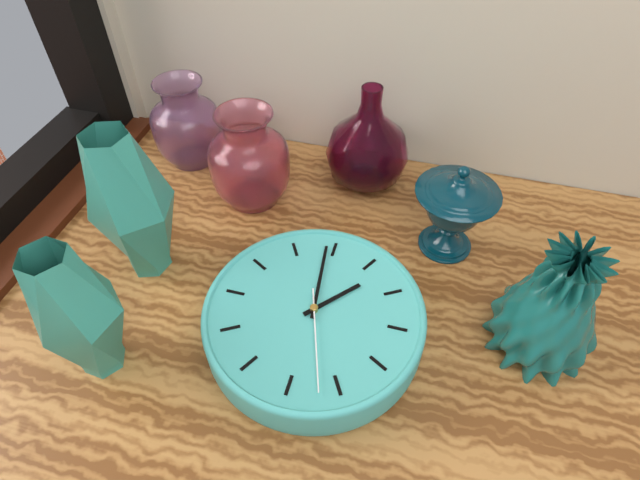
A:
6,24,52
